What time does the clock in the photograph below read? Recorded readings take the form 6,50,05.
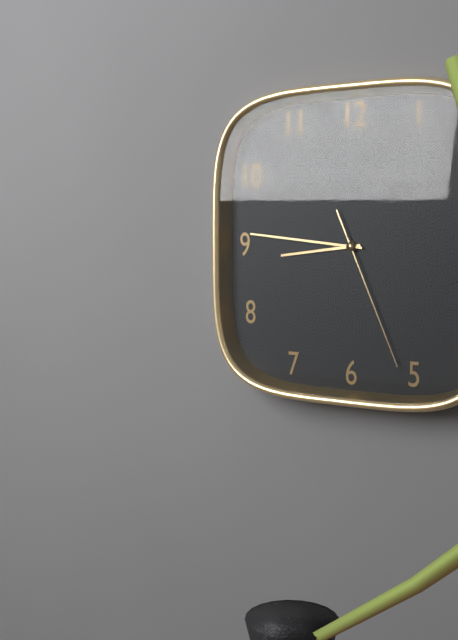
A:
8,46,26
